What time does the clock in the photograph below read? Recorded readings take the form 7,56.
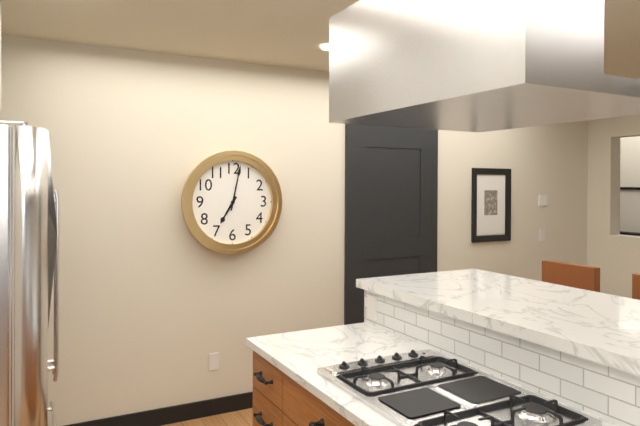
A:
7,02
